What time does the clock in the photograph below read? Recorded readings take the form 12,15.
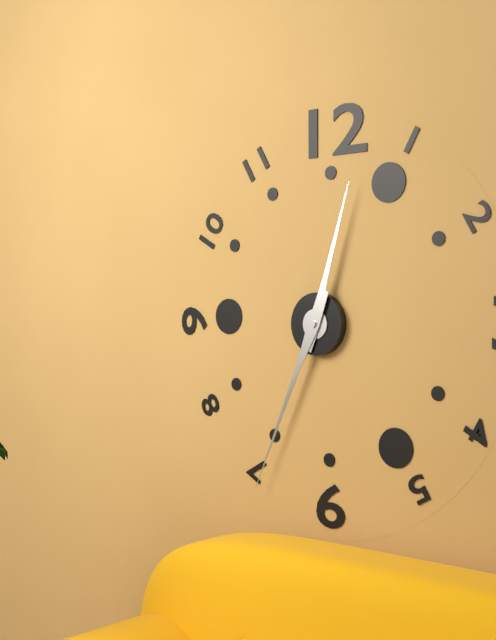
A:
12,34
